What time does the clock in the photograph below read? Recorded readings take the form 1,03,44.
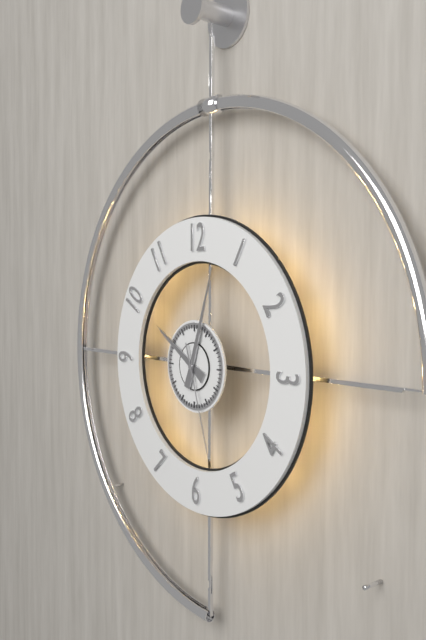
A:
10,03,27
